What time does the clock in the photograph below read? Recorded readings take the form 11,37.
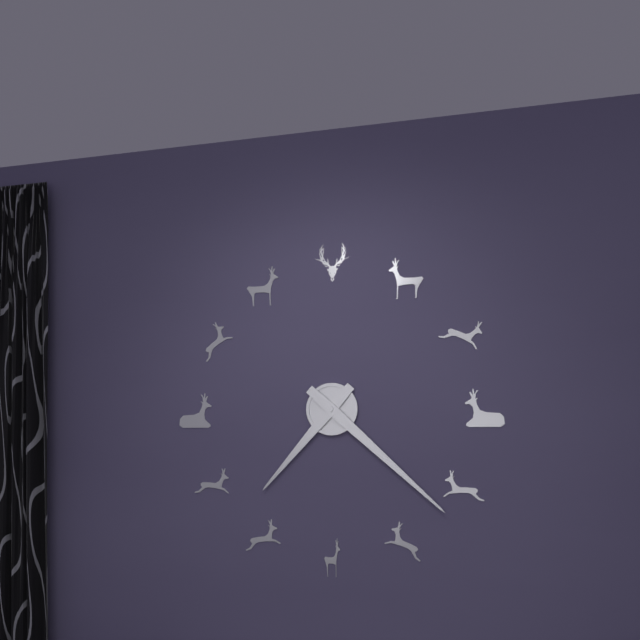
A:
7,22
